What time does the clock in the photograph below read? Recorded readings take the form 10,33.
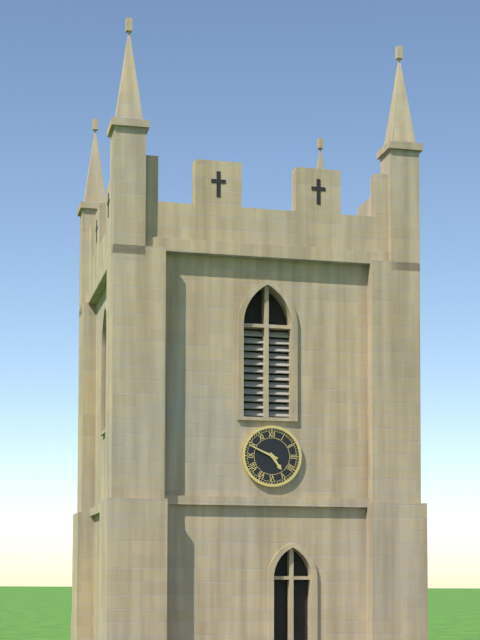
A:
4,49
